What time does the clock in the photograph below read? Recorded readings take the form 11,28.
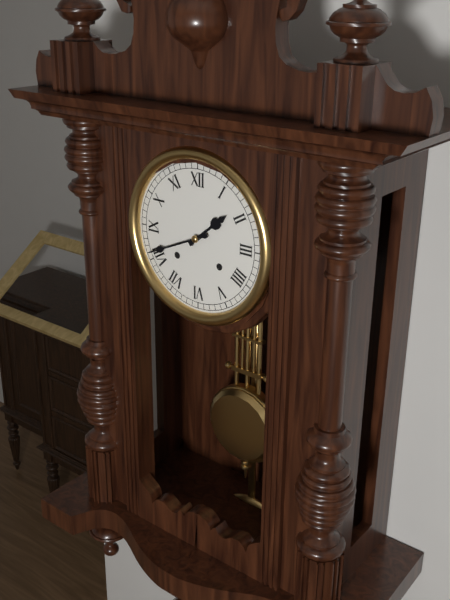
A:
1,41
